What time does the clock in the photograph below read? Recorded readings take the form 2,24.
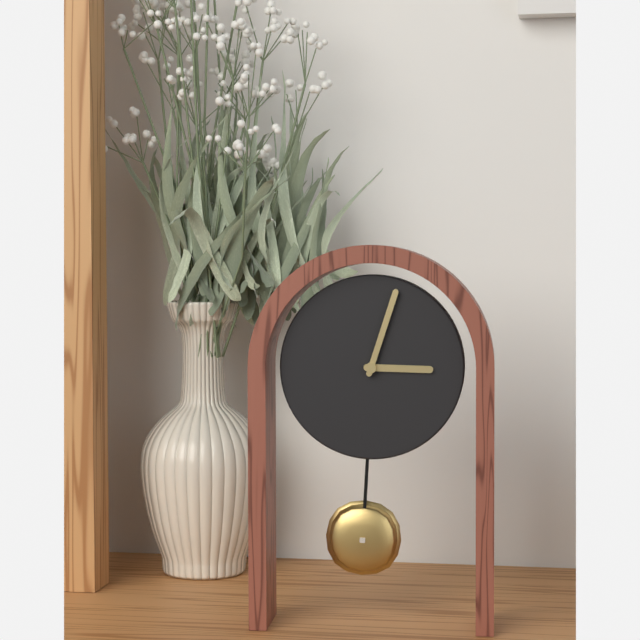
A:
3,03
